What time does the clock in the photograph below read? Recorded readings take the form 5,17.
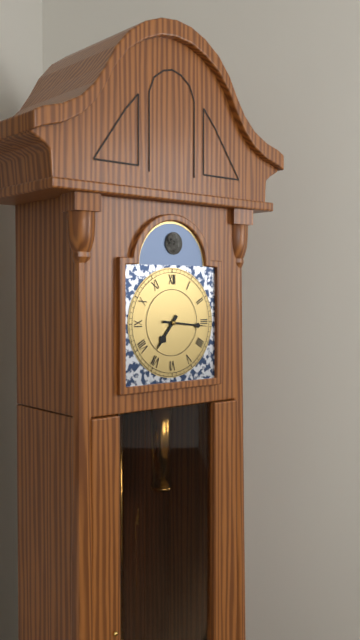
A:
7,16
